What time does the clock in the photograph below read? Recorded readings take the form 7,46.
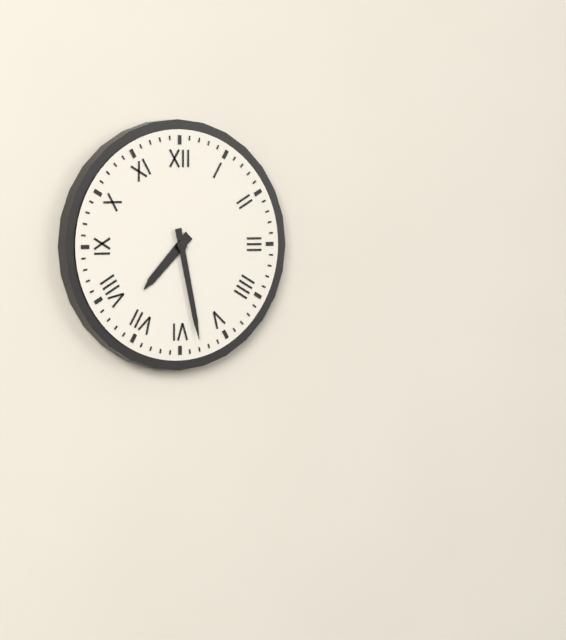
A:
7,28
